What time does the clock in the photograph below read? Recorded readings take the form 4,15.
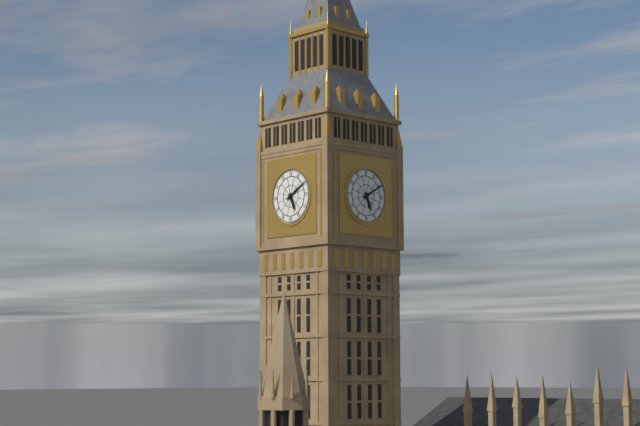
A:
5,10
